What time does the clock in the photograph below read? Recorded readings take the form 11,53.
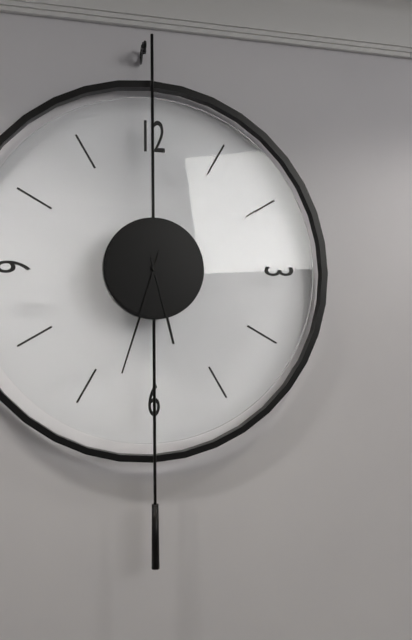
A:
5,33
